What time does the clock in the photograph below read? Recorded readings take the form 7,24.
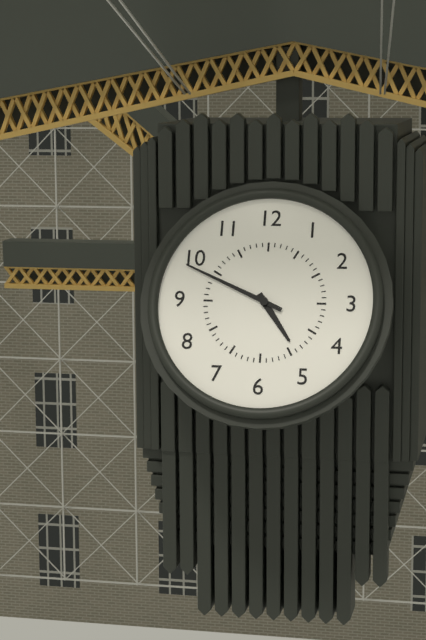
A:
4,49
